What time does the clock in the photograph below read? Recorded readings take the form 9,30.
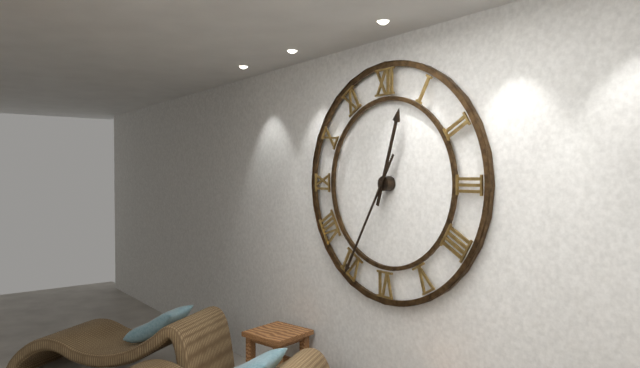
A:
12,35
